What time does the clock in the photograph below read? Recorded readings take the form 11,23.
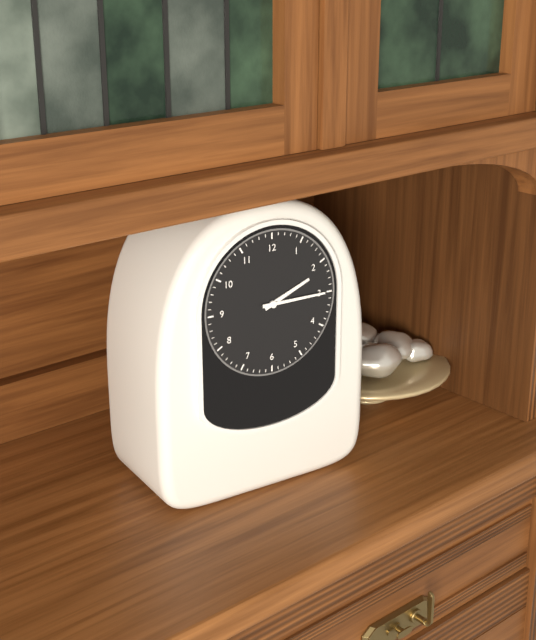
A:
2,15
